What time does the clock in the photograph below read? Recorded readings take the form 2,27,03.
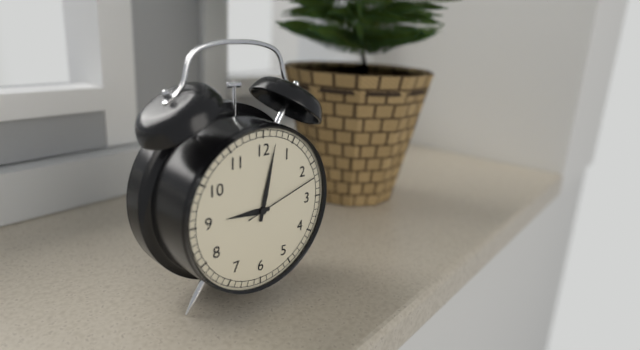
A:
9,02,12
